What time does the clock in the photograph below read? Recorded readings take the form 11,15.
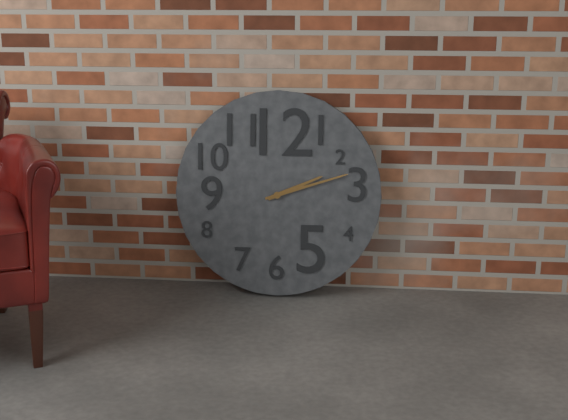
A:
2,12
